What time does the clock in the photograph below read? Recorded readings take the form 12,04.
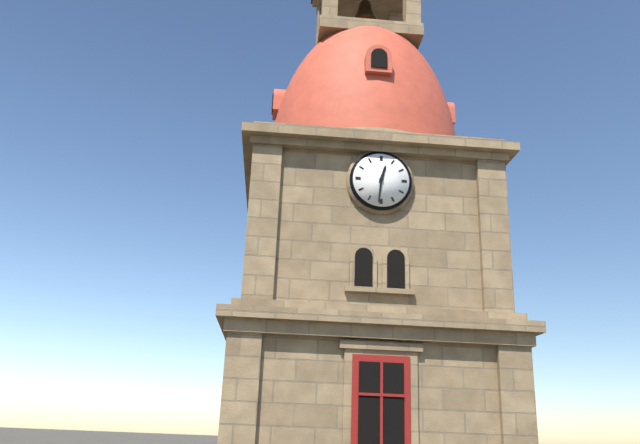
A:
12,31
